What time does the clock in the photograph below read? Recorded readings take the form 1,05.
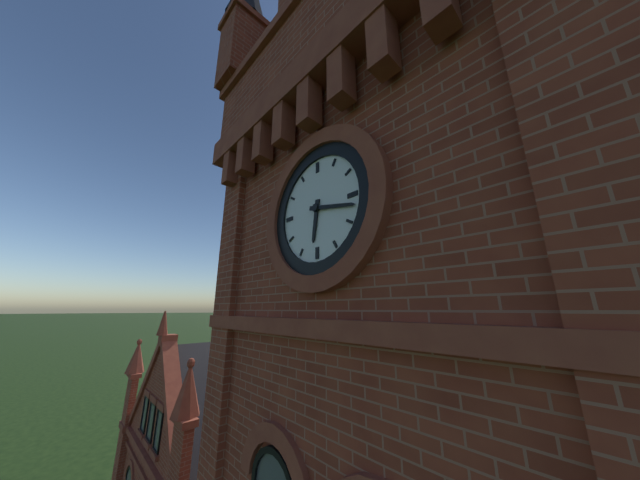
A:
6,17
